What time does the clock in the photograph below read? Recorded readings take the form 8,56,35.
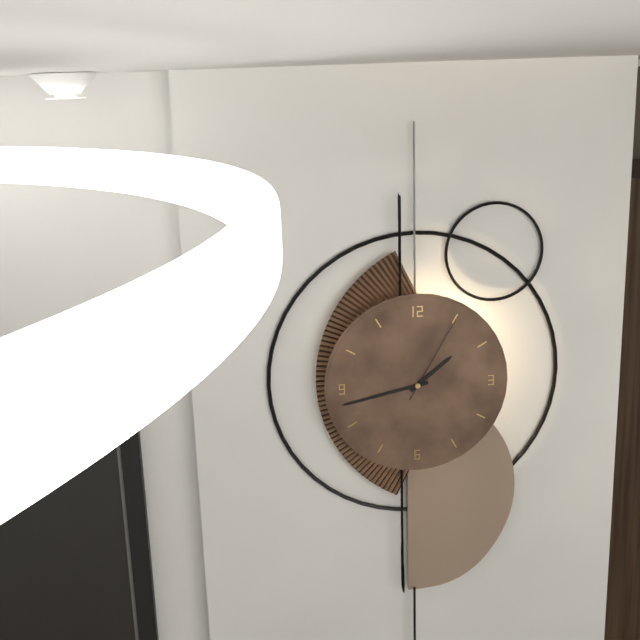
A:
1,43,05
